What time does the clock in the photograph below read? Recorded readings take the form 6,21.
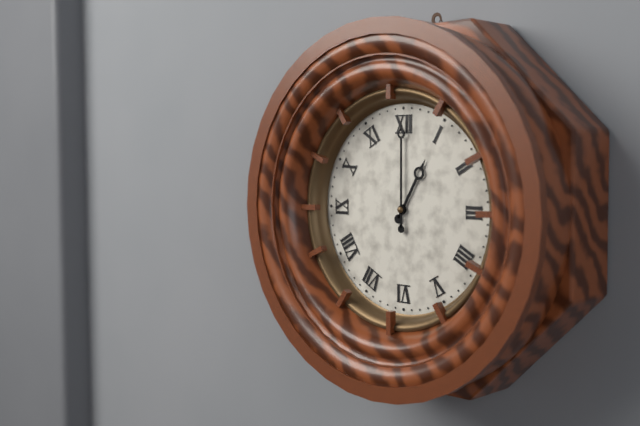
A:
1,00
